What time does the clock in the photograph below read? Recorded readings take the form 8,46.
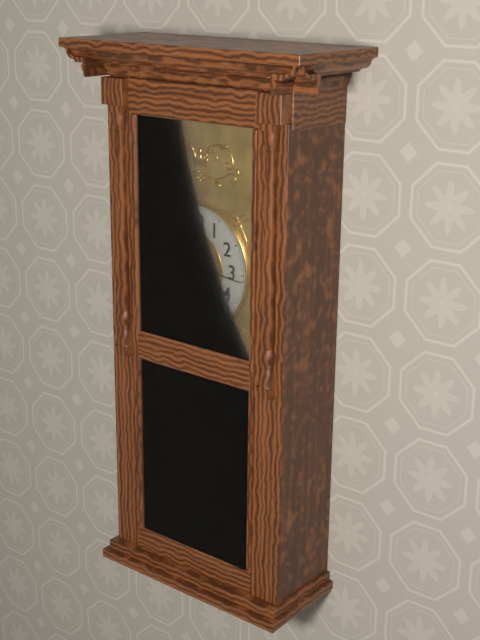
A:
11,16
